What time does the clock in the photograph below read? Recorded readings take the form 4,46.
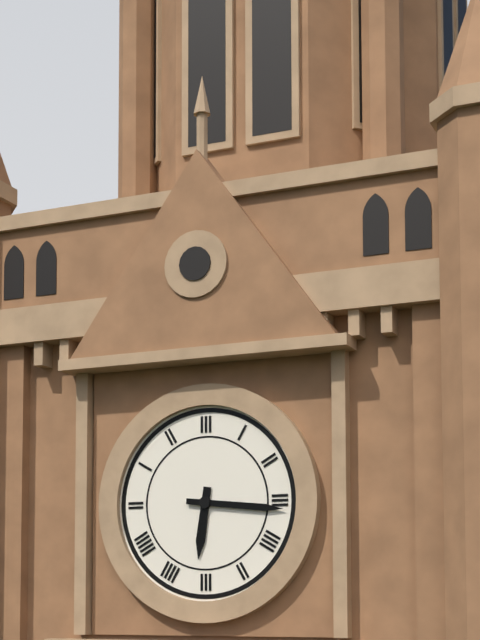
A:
6,16
